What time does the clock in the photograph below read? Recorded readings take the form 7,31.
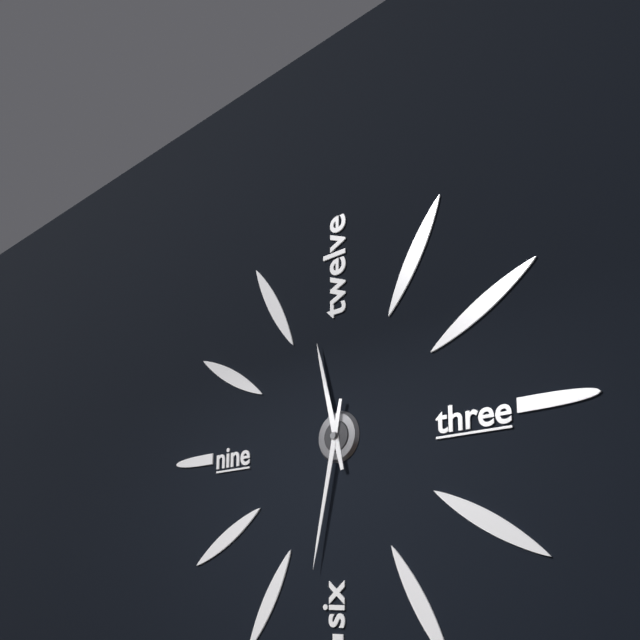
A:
11,32
